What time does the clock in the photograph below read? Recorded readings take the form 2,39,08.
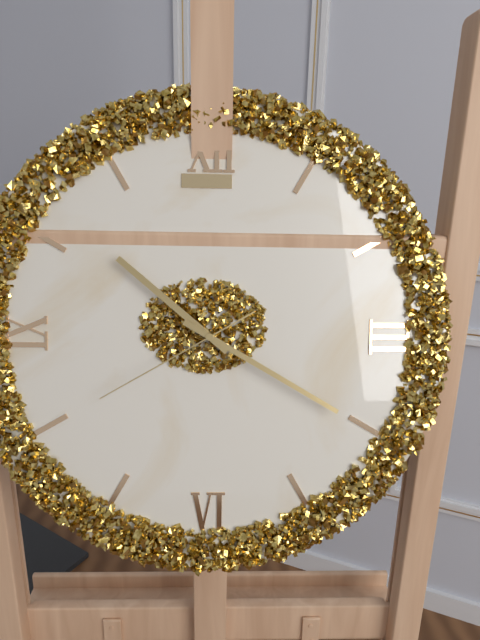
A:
10,20,40
